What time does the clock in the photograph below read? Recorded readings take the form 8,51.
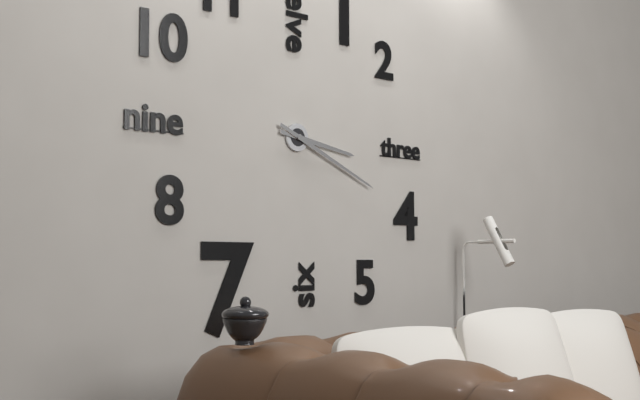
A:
3,19
